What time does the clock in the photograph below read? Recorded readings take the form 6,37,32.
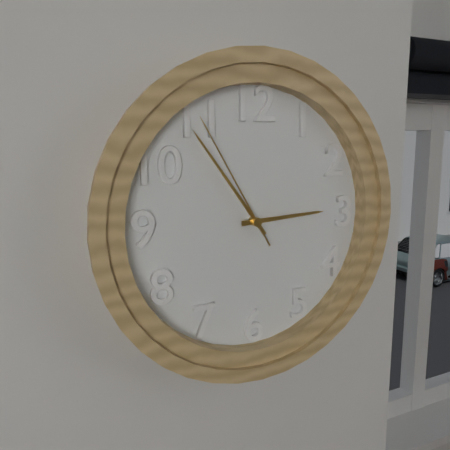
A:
2,54,55
